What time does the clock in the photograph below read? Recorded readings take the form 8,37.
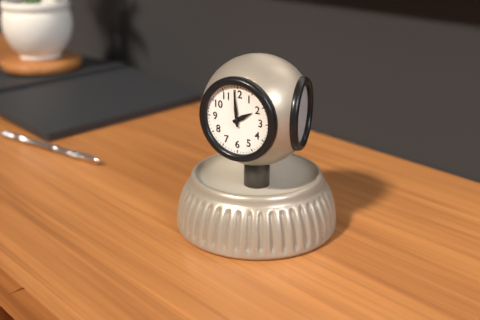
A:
1,59
